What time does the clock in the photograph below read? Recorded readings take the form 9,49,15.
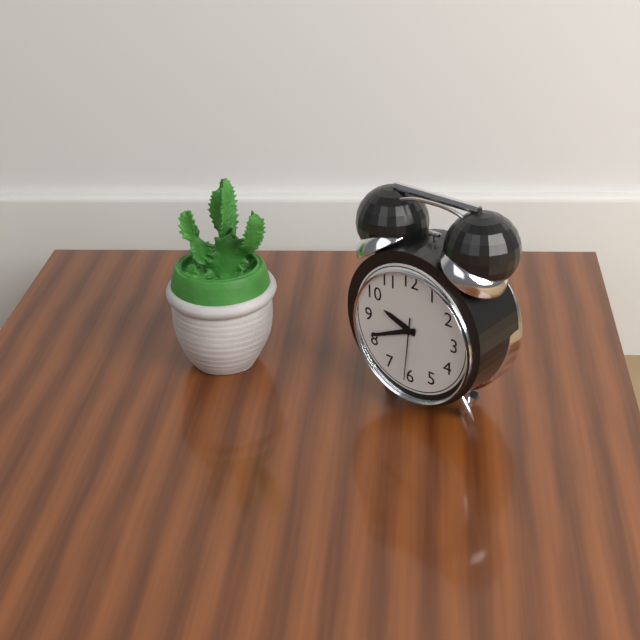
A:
9,41,31
